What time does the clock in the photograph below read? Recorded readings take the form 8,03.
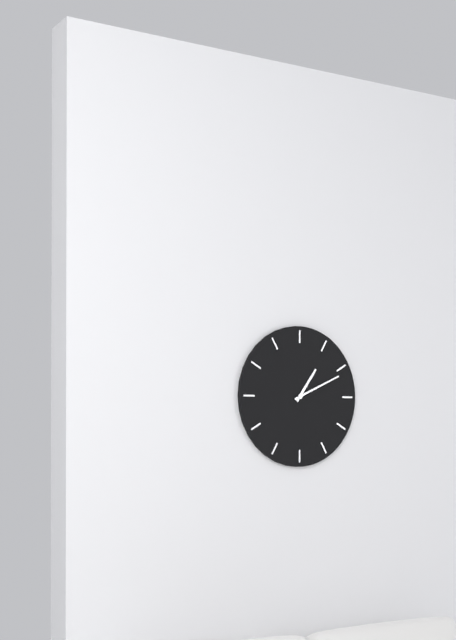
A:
1,11
